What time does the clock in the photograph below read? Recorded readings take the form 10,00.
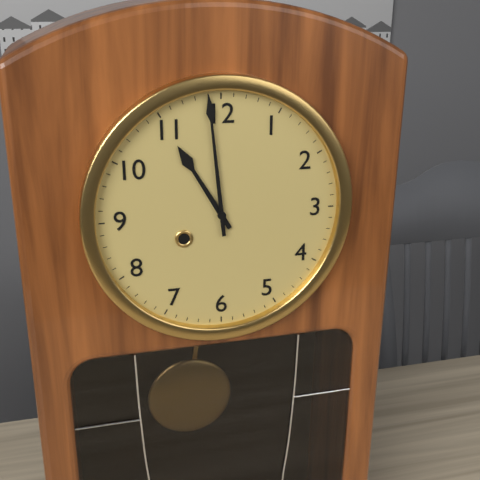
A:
10,59
